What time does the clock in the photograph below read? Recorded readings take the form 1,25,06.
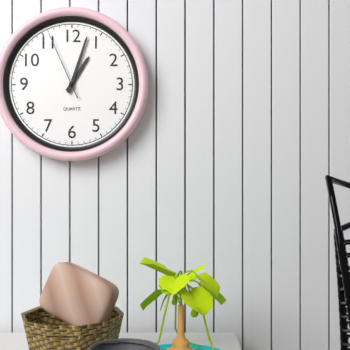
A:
1,03,56
